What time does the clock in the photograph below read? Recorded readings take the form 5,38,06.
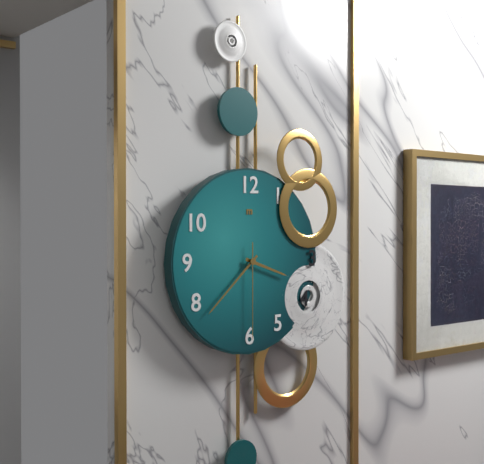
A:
3,38,30
